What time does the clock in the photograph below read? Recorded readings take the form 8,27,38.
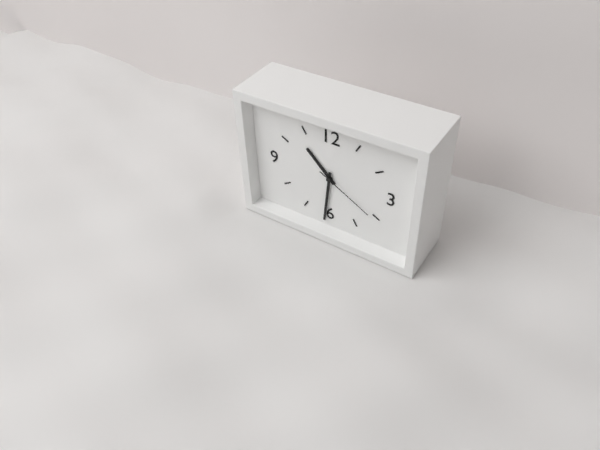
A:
10,31,20
